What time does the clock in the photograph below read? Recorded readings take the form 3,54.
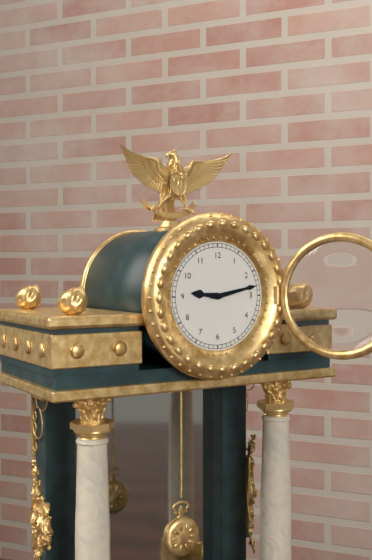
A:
9,13
